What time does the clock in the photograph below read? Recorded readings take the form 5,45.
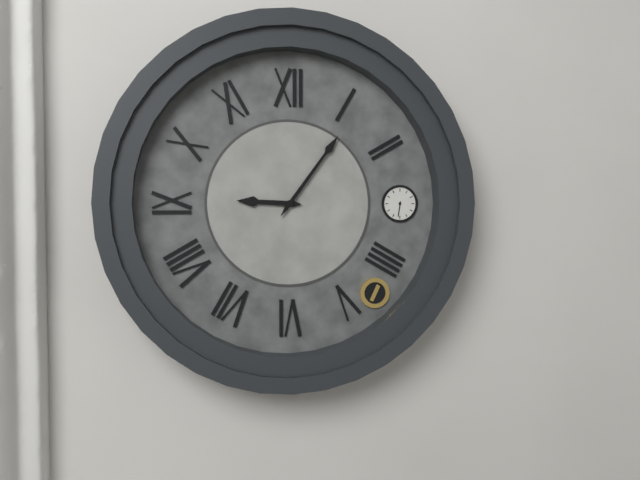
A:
9,06
